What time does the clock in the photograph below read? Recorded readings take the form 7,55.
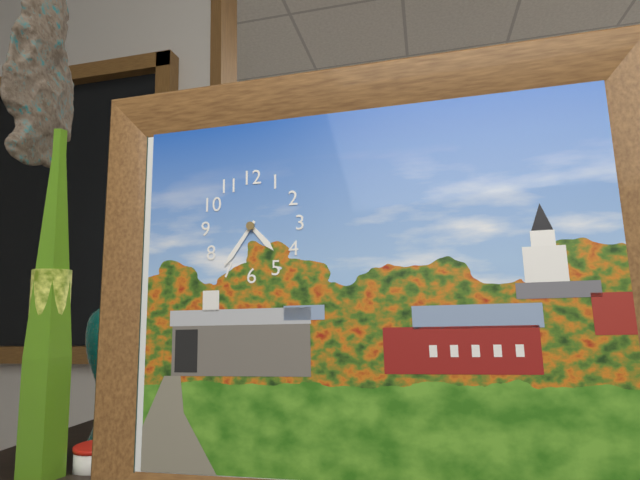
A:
4,36
